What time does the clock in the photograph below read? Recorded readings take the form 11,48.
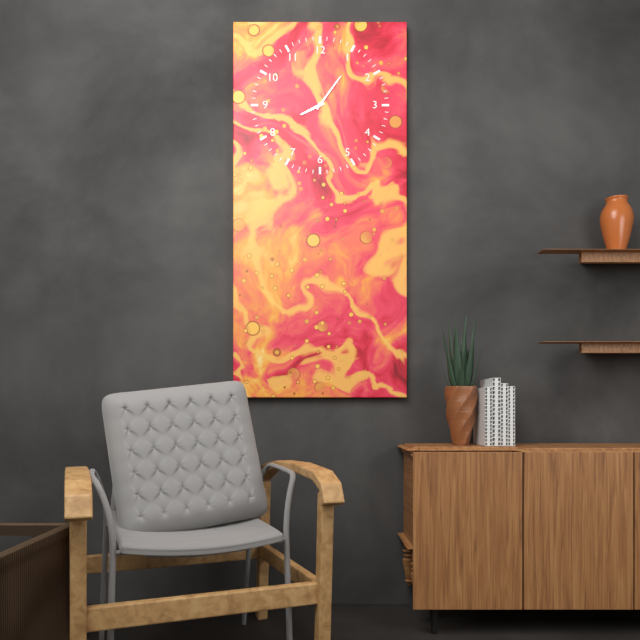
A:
8,06
